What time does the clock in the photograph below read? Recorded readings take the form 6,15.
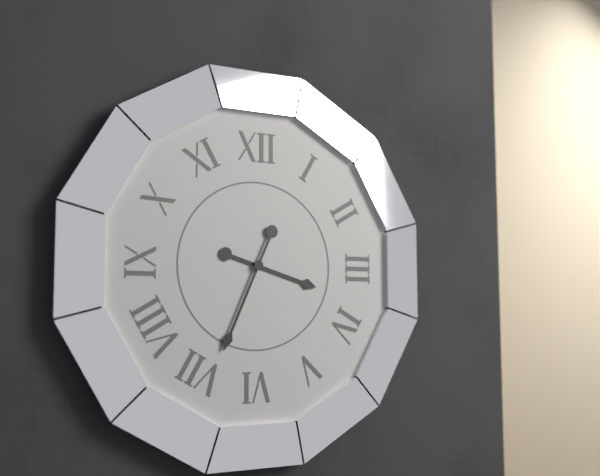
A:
3,34
